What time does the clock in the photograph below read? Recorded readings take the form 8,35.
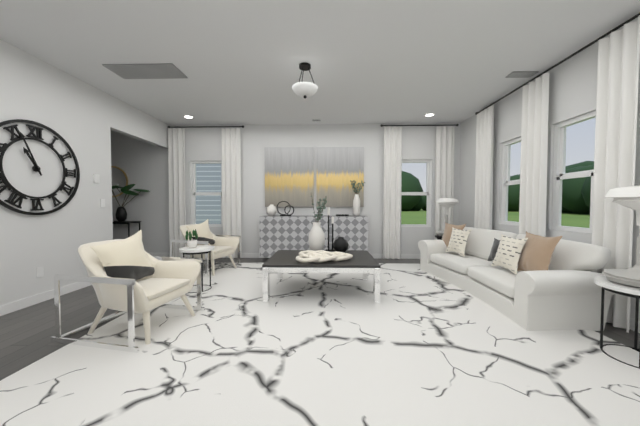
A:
10,56
